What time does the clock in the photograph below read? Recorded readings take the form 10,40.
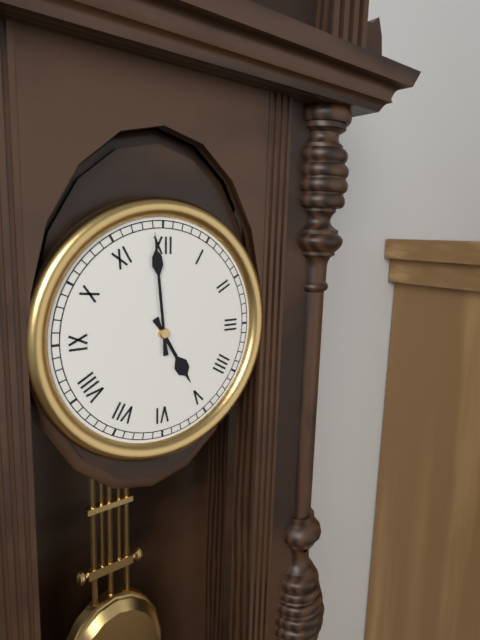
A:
4,59
